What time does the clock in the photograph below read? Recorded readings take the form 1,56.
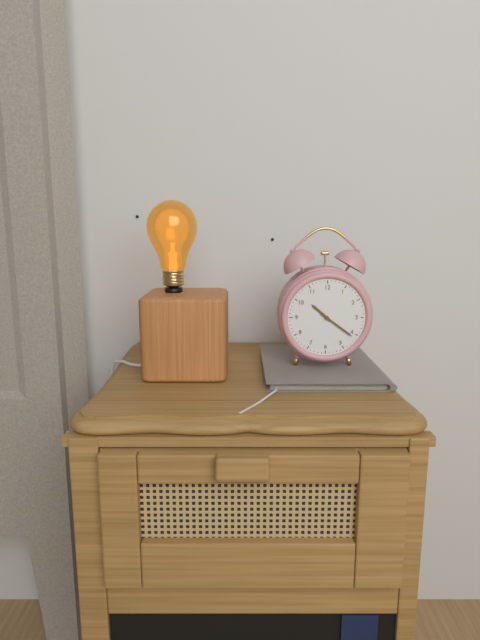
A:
10,21
